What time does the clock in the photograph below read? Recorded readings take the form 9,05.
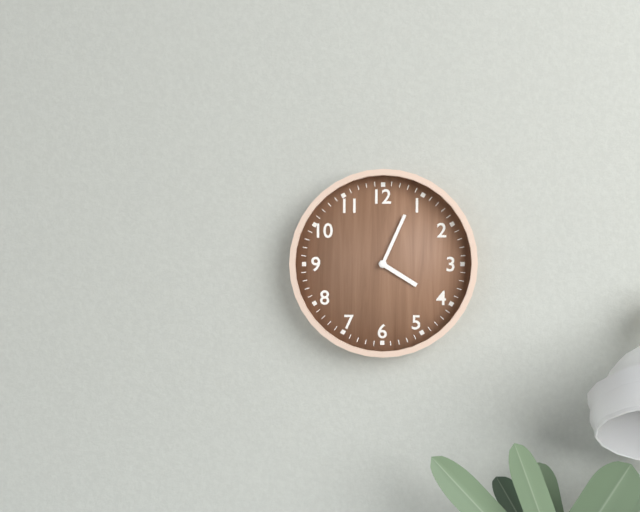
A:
4,04
